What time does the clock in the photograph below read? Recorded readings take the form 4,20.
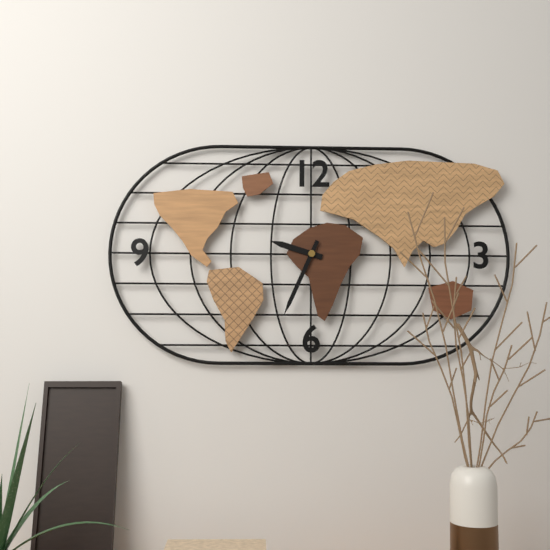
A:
9,34
